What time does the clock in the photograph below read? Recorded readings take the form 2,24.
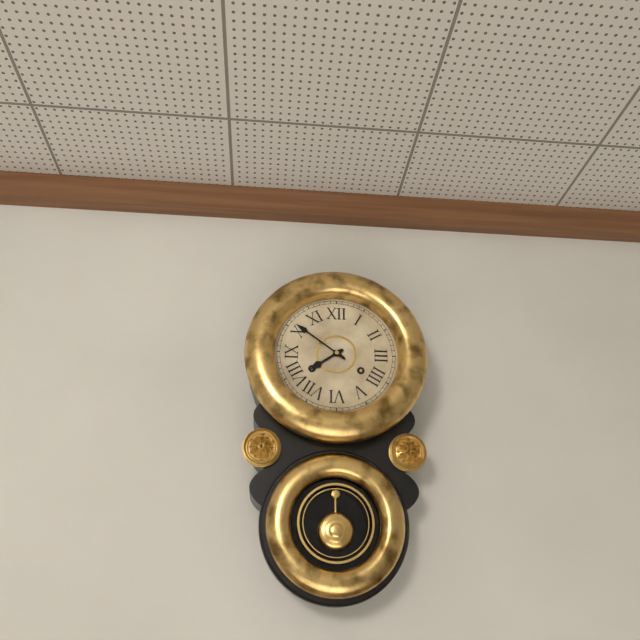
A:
7,51
